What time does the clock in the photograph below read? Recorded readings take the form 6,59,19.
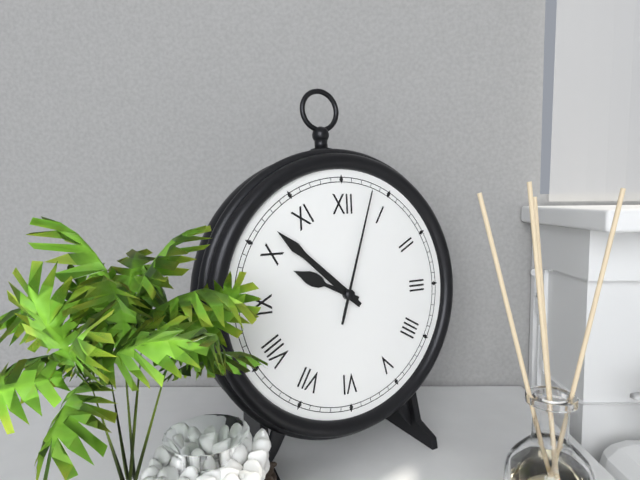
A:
9,52,03
